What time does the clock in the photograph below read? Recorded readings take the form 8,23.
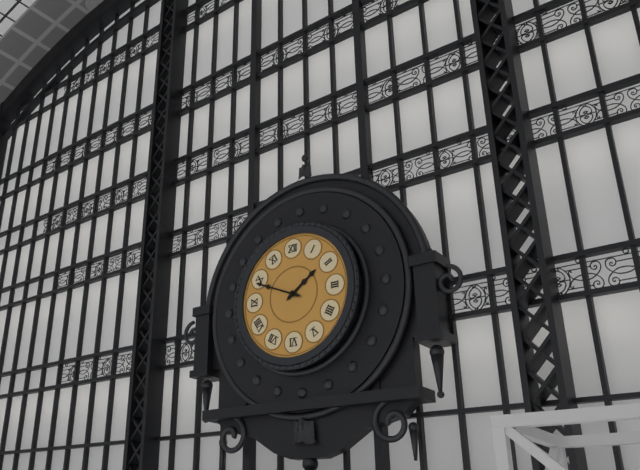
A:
1,49
